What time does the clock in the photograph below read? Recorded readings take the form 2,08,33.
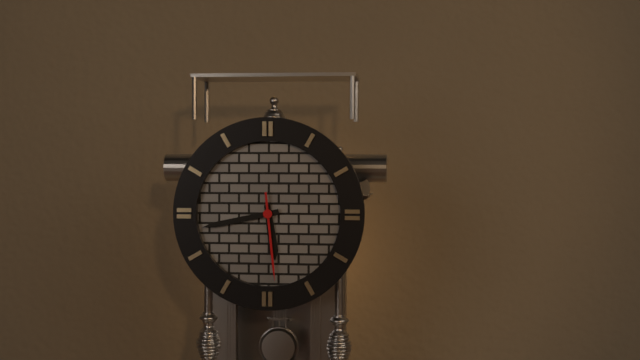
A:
5,43,29
